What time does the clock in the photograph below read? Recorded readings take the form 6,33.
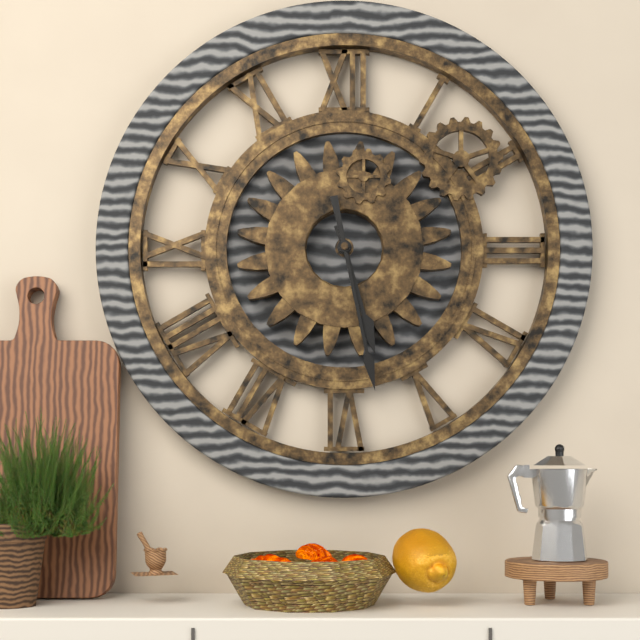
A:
5,28
